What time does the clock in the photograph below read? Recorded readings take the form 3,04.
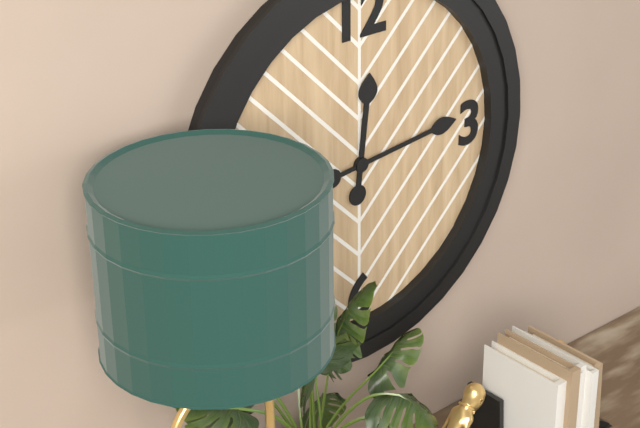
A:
12,14
